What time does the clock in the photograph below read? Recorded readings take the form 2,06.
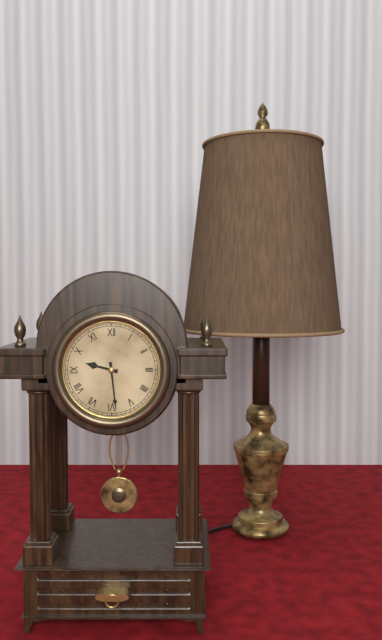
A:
9,29
